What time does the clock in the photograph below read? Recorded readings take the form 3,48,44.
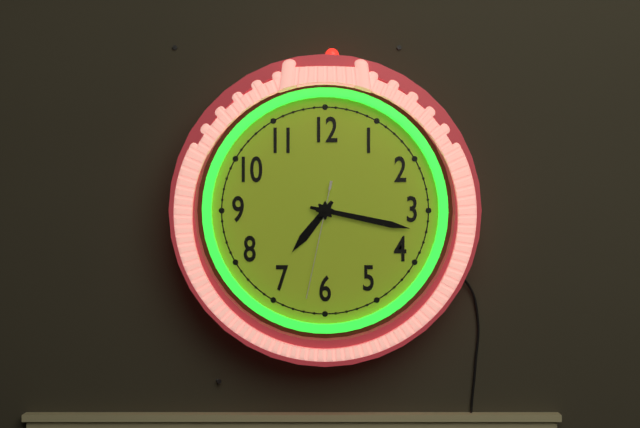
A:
7,17,32
